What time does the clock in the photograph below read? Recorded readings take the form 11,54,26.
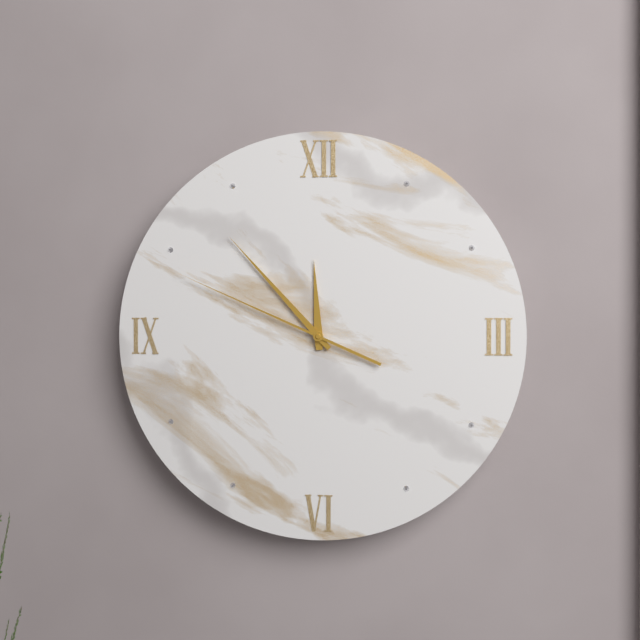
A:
11,53,49
